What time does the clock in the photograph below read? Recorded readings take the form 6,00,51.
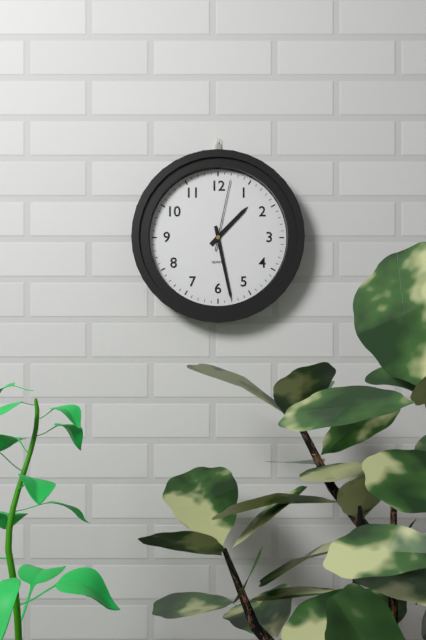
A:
1,28,02
